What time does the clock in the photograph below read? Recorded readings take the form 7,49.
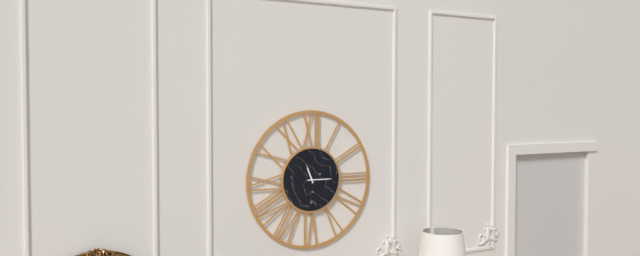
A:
11,15
